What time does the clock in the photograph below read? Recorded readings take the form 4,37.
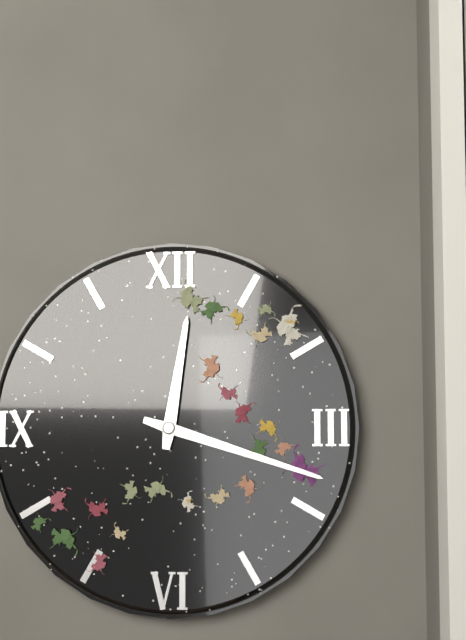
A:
12,18
